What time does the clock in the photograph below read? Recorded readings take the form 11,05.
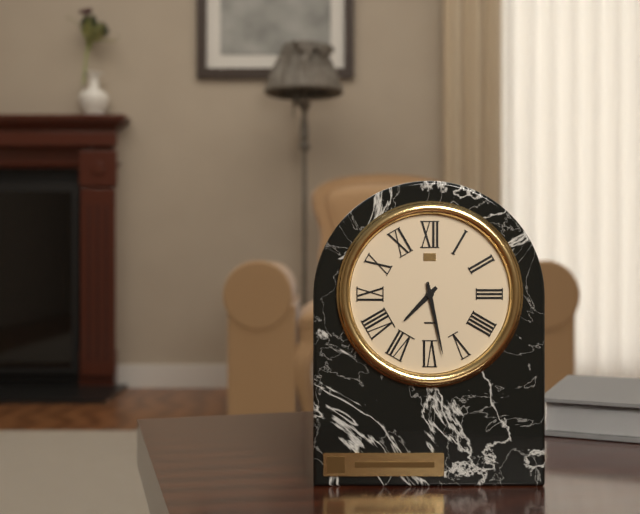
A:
7,28
